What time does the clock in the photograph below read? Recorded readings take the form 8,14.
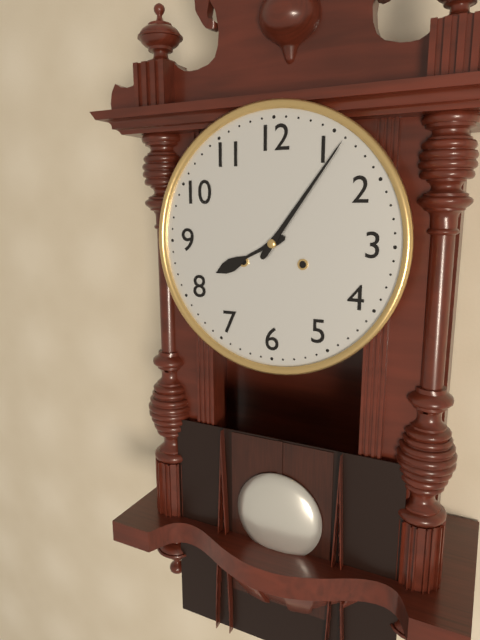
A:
8,06
